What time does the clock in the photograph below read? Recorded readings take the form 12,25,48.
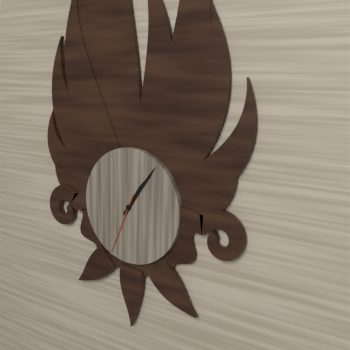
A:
1,06,34
